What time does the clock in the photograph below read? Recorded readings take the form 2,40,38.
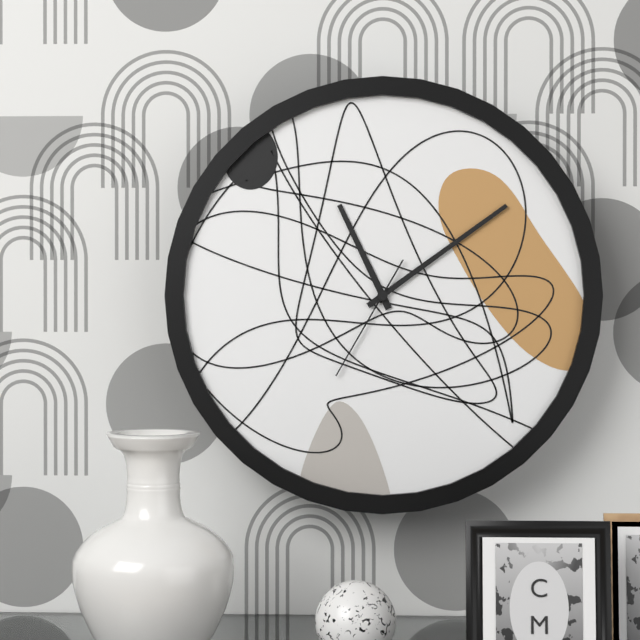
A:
11,09,35
